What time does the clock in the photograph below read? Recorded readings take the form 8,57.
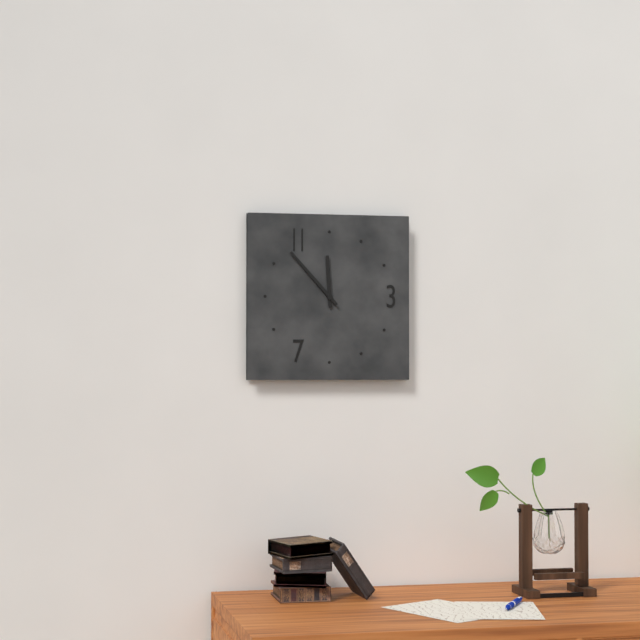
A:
11,53
